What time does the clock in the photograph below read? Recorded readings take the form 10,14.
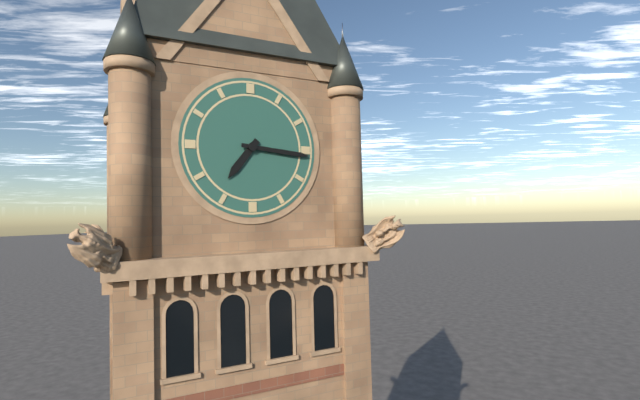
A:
7,16
